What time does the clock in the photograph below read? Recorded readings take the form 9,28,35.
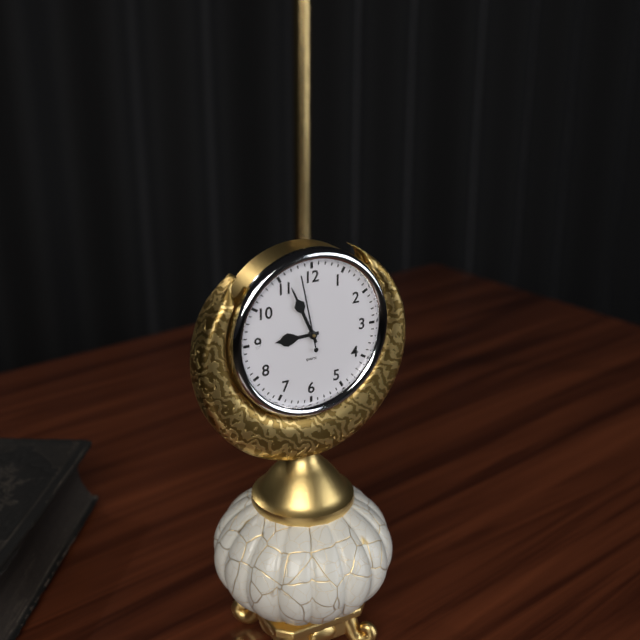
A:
8,56,58
